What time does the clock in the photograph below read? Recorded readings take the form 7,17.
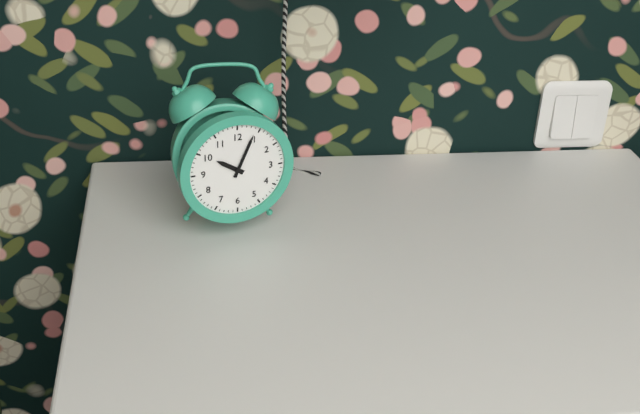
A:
10,04
